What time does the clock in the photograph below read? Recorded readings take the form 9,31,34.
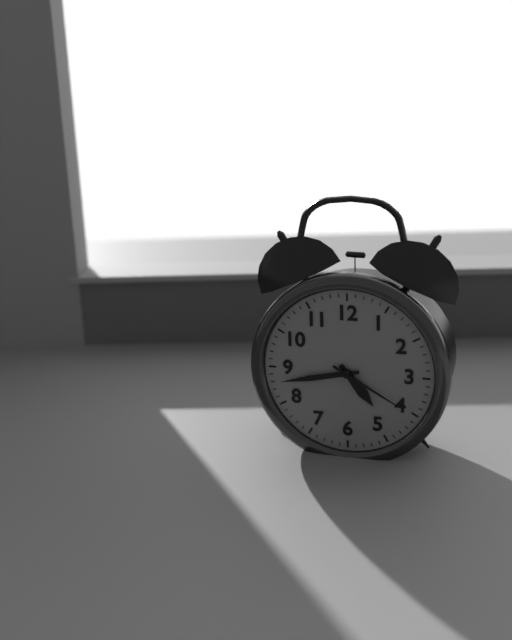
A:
4,43,20
